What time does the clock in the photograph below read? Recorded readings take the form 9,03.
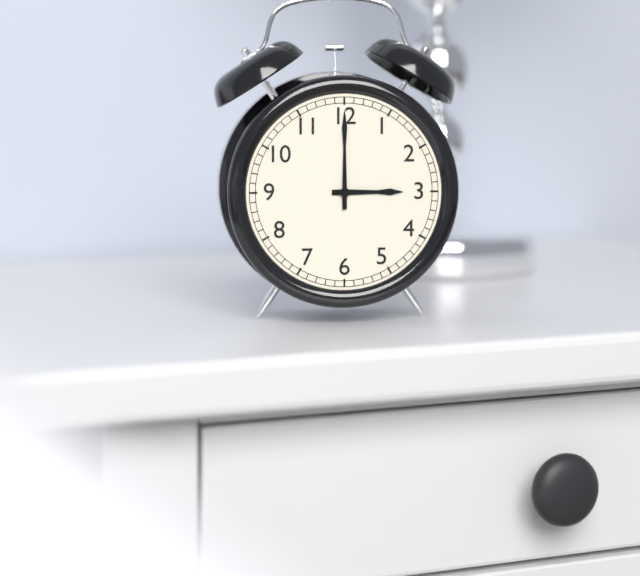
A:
3,00
